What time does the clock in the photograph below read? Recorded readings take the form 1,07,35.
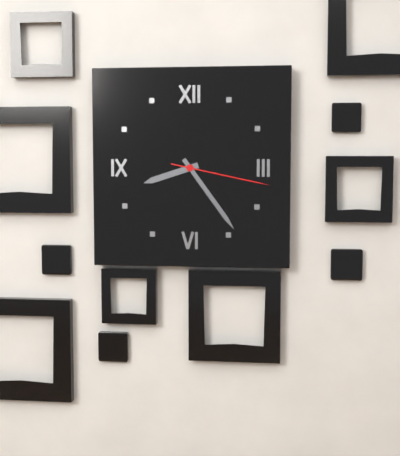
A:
8,24,17
